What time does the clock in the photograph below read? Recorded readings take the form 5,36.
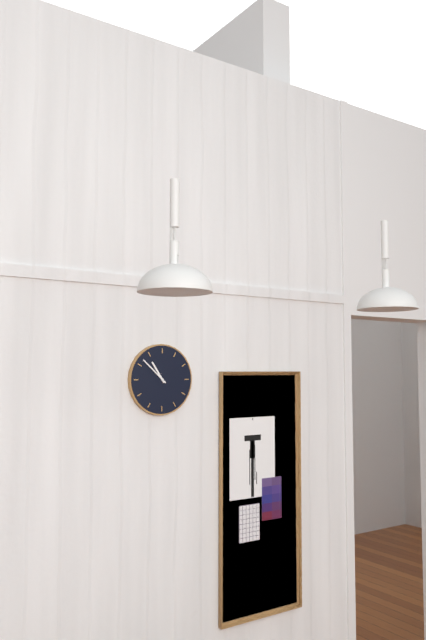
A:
10,52
